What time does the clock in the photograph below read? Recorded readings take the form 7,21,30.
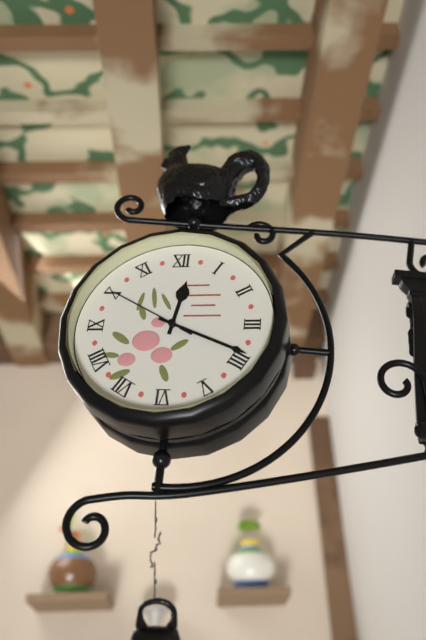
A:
12,19,50
